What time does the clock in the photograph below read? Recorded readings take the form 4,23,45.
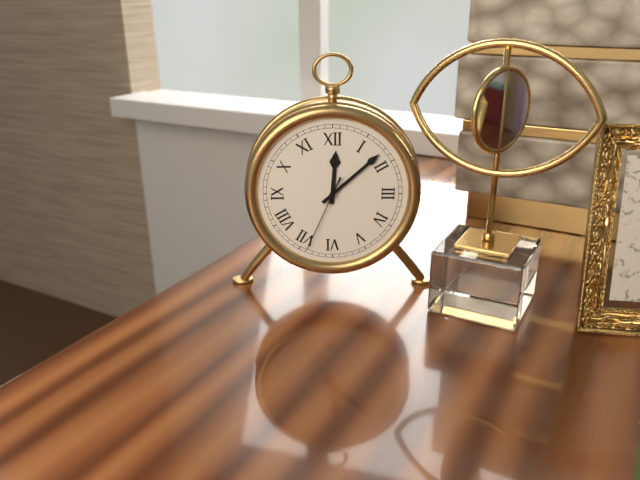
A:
12,08,34
